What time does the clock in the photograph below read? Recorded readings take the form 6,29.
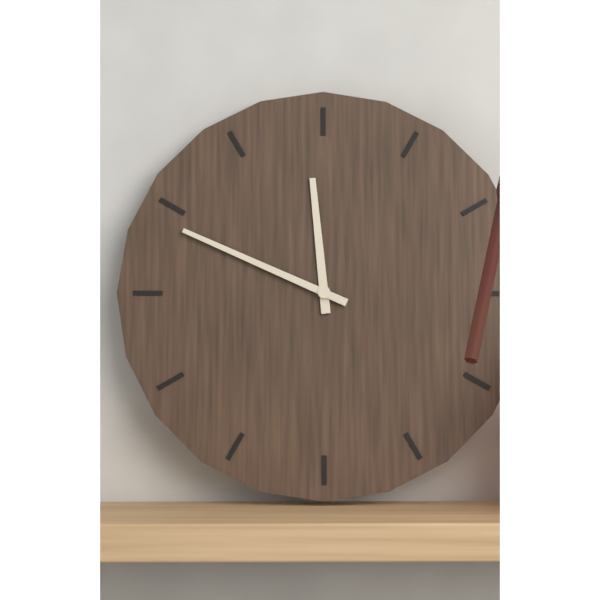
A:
11,49
